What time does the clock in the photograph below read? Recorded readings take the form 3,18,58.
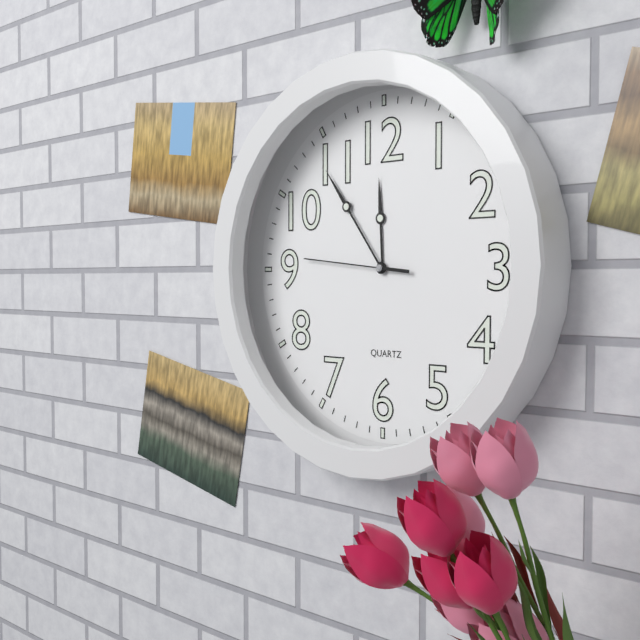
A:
11,54,46
